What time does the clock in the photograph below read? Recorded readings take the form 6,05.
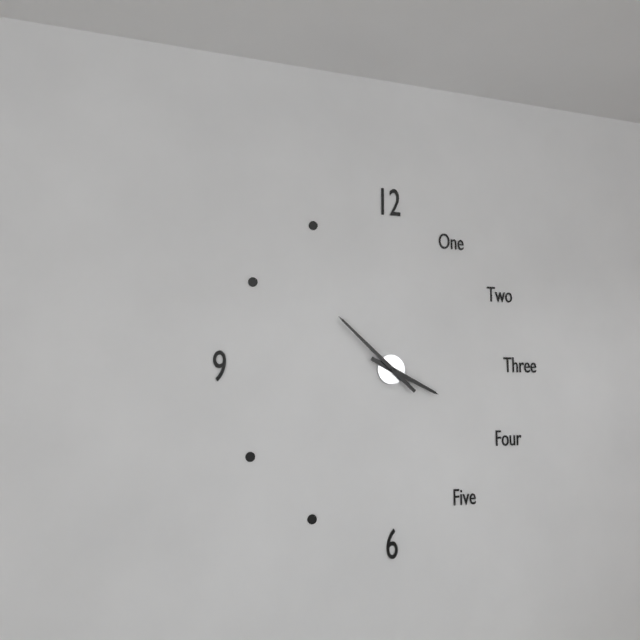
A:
3,52
